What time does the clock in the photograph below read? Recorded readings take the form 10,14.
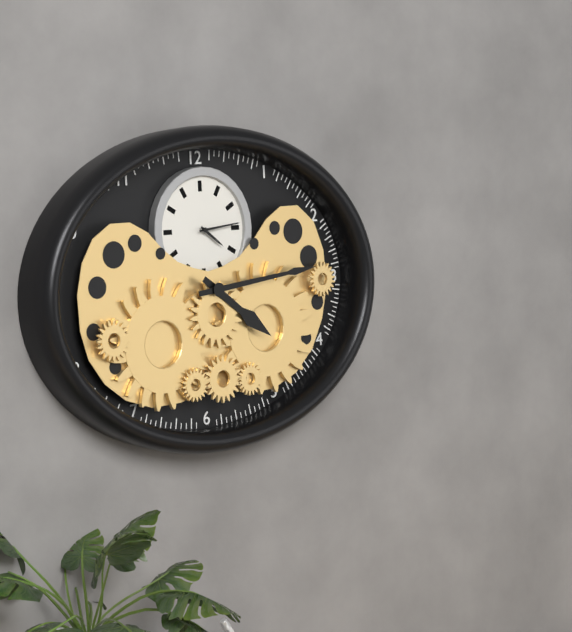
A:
4,14
